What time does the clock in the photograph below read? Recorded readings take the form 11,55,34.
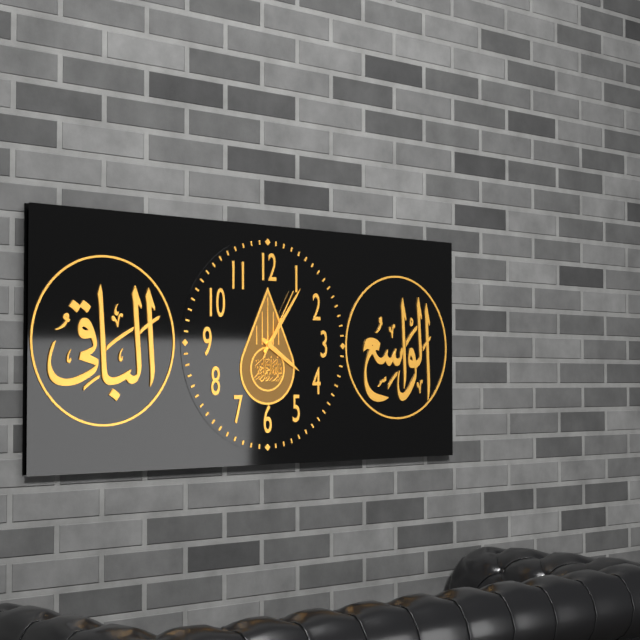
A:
4,06,05
